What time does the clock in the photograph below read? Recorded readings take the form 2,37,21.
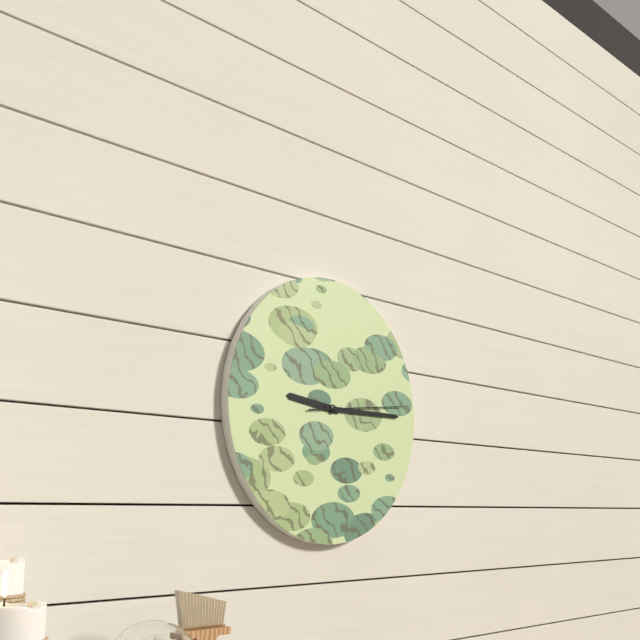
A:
9,15,14
